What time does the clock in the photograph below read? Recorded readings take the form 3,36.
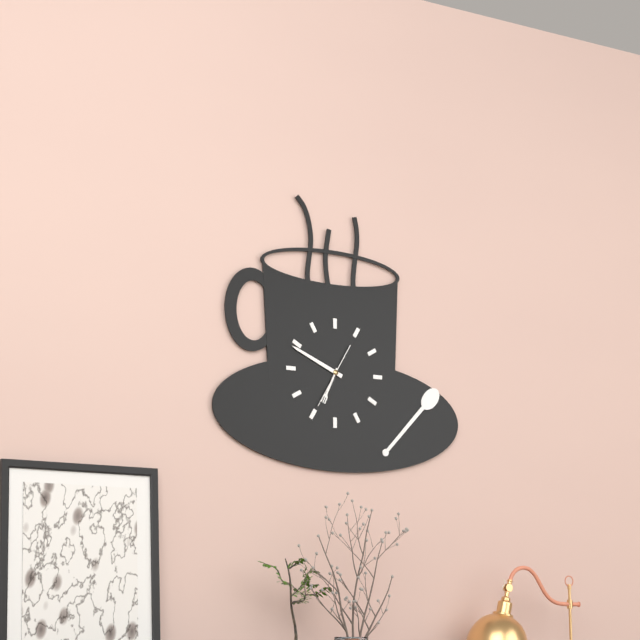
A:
6,49
